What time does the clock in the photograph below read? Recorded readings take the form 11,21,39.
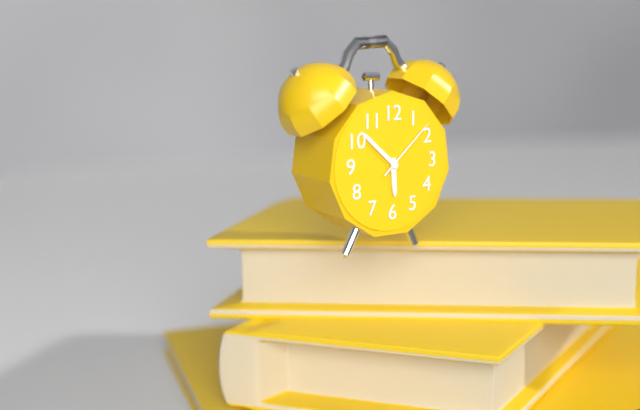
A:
5,52,08
